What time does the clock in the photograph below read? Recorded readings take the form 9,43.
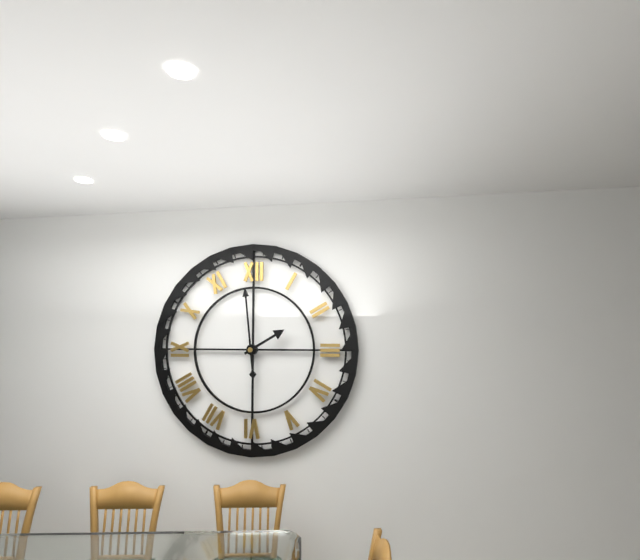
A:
1,59
